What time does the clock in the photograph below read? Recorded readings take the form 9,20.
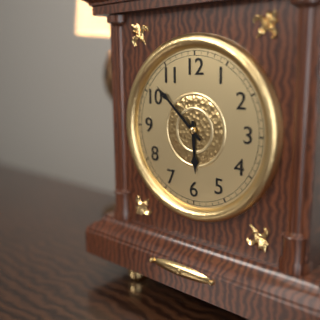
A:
5,52
